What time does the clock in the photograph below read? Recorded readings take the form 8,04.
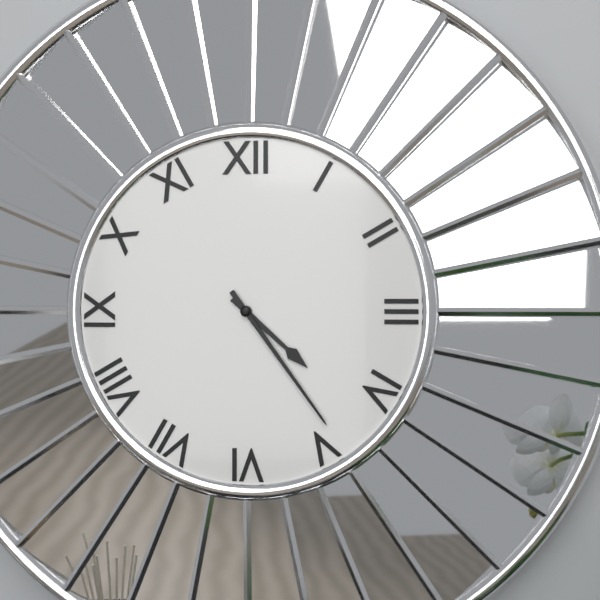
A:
4,24
